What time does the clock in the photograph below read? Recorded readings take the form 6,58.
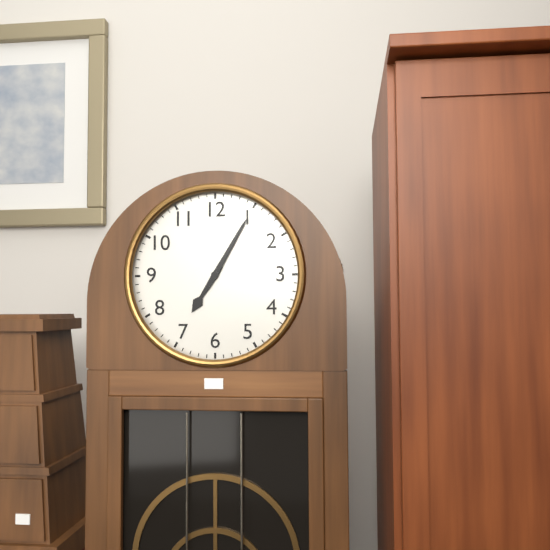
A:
7,05
